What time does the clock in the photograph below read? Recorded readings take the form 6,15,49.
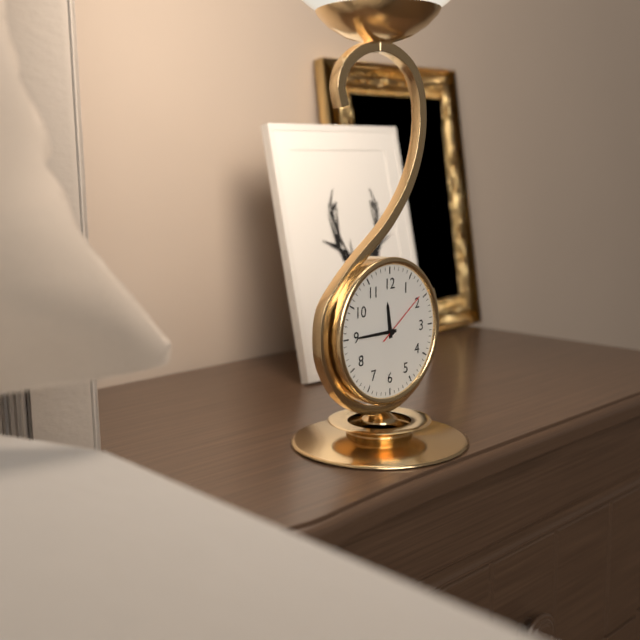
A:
11,45,09
